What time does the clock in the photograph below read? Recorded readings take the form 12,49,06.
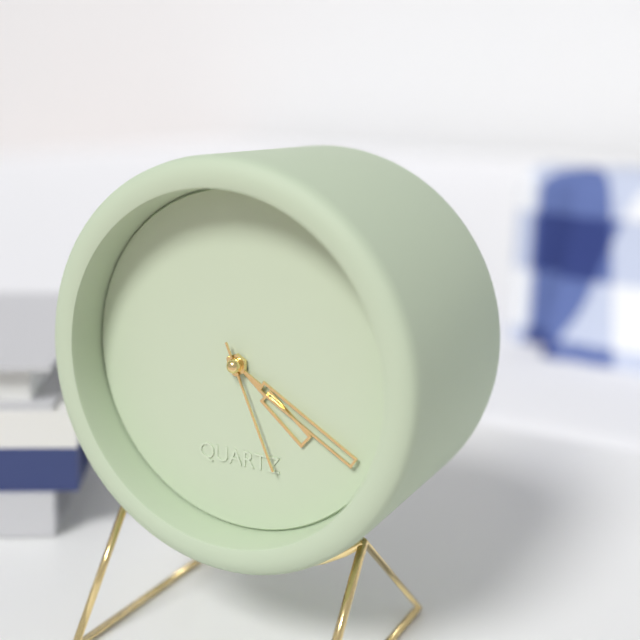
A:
4,20,26
